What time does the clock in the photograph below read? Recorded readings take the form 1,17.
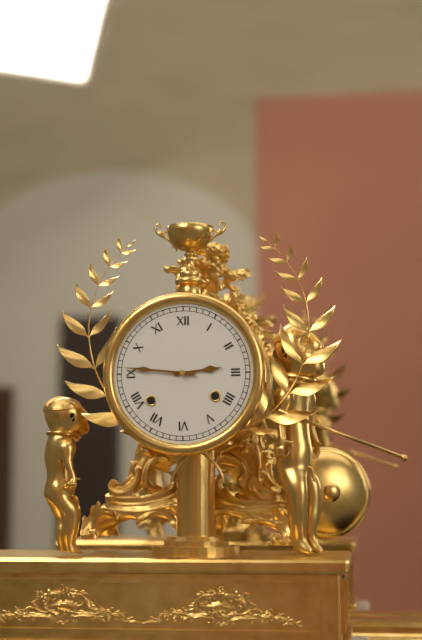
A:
2,46
